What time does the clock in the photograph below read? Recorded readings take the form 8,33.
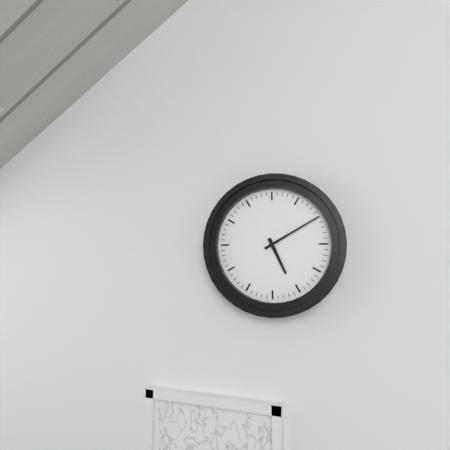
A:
5,10
